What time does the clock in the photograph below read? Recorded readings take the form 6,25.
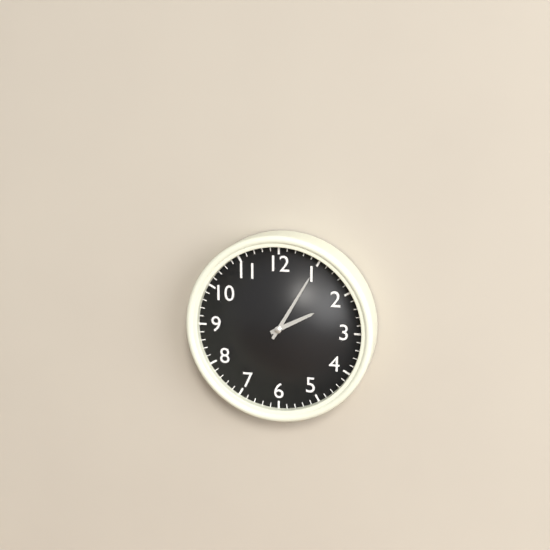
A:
2,05
